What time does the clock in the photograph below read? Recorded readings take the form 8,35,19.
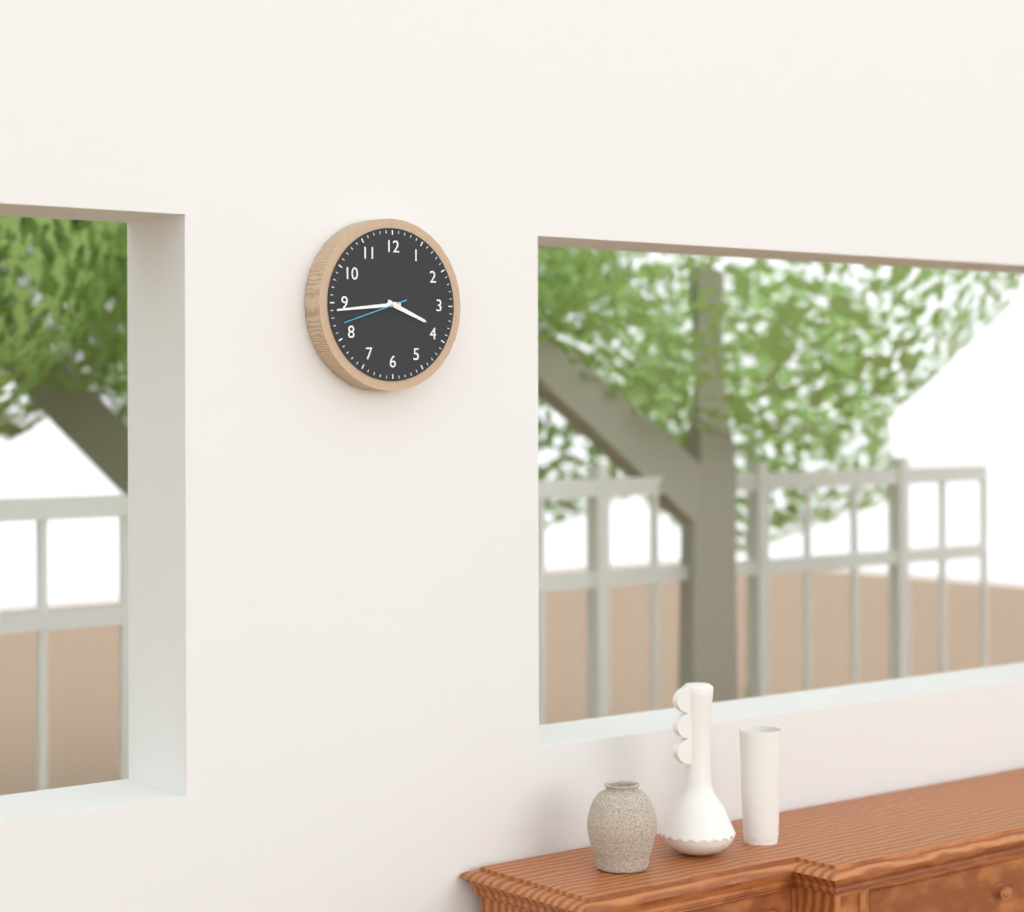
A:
3,44,42
